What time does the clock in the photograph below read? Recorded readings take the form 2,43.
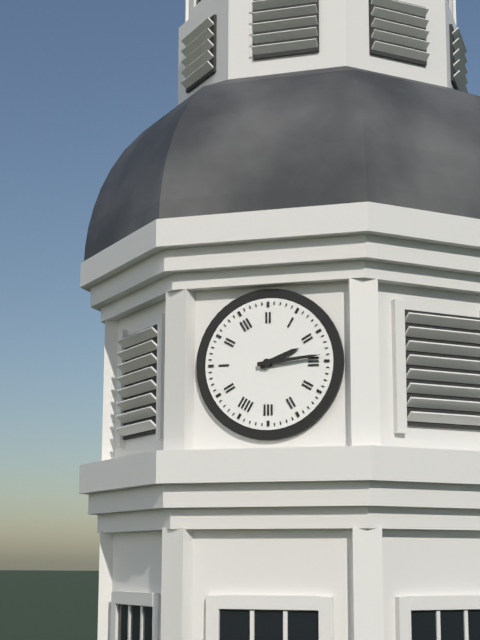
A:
2,14
